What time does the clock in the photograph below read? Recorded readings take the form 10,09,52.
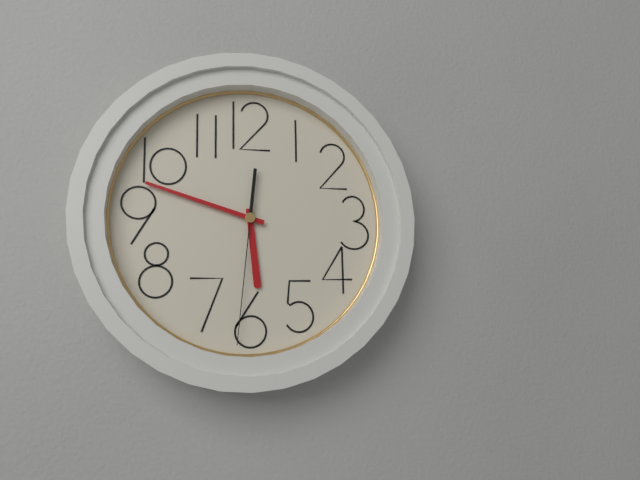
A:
5,48,31
